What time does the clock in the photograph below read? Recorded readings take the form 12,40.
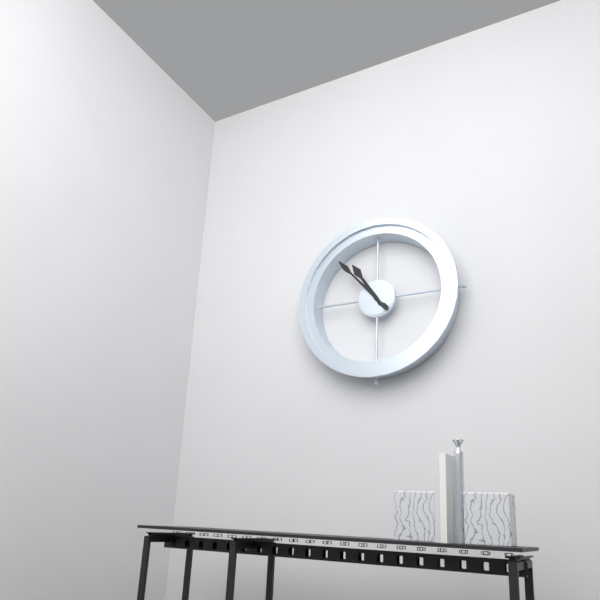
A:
10,53
